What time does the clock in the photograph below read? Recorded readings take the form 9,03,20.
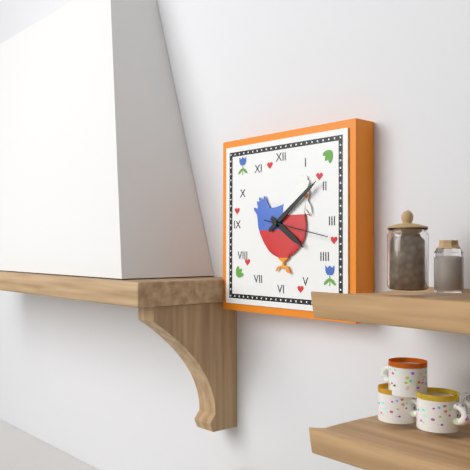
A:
4,09,17
